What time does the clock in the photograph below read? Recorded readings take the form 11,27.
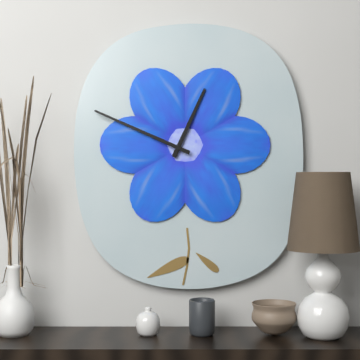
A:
12,49
